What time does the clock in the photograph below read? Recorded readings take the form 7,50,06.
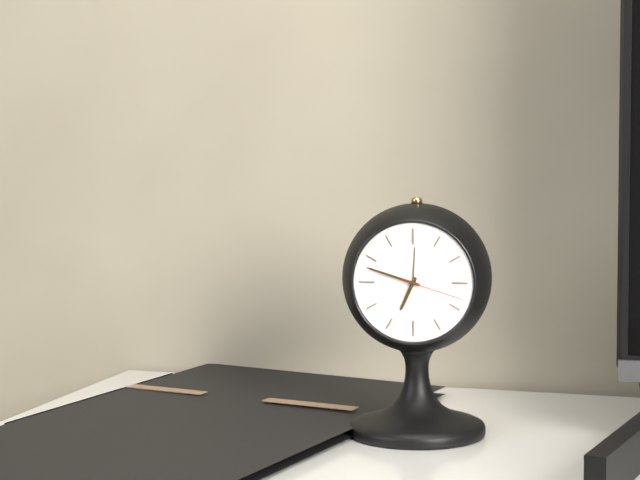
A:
6,48,18
